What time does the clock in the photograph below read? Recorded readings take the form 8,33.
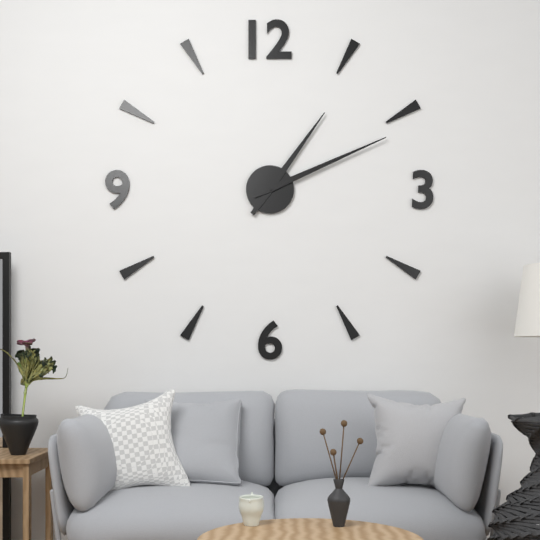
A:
1,11
